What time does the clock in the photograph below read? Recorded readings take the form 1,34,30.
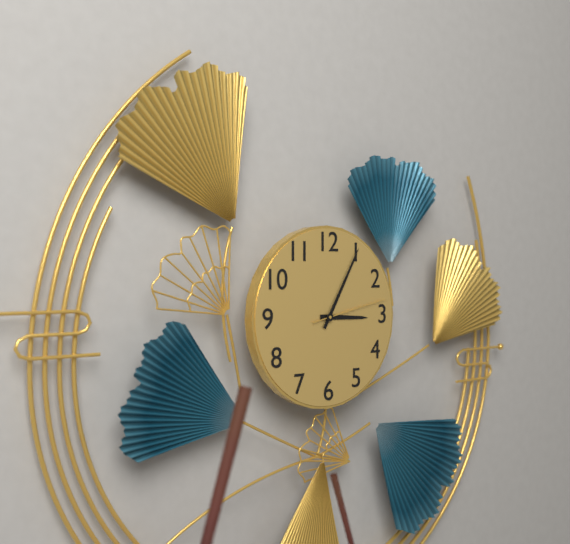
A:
3,05,13
